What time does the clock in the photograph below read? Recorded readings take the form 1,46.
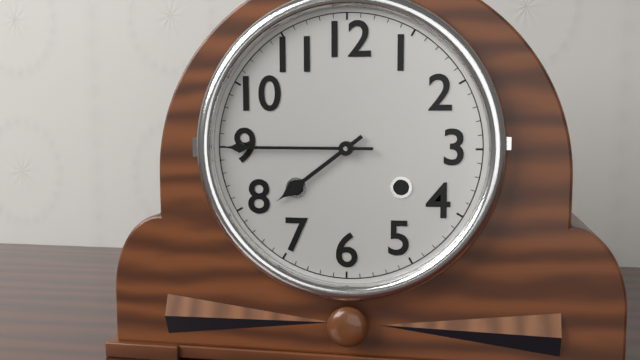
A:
7,45
